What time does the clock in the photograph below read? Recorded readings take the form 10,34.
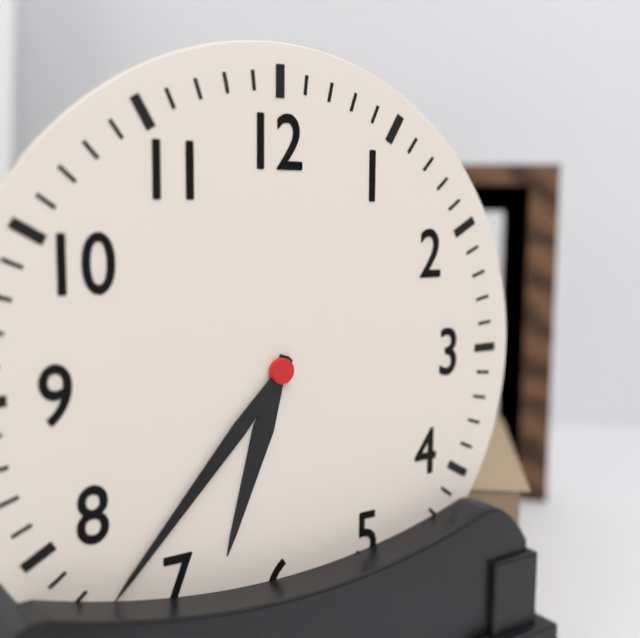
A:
6,37
